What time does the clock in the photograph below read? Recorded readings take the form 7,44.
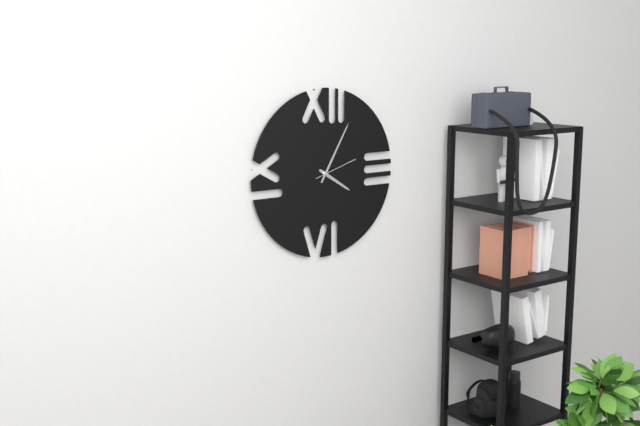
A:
4,05
